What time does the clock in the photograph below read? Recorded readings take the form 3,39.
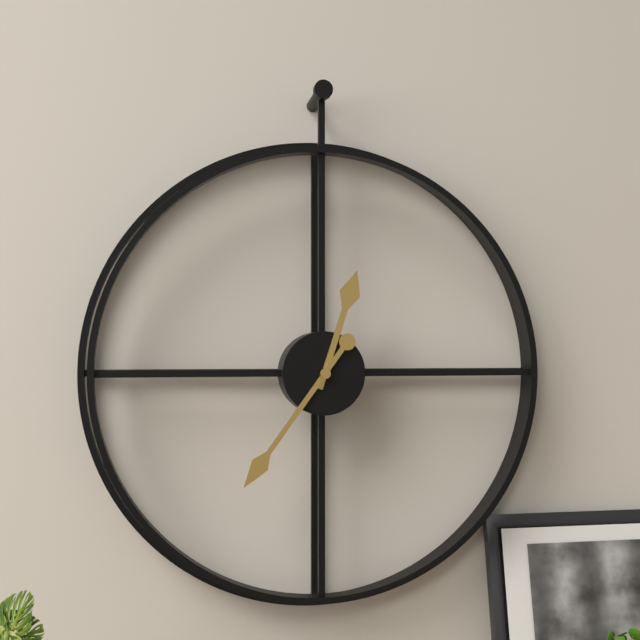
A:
12,36
